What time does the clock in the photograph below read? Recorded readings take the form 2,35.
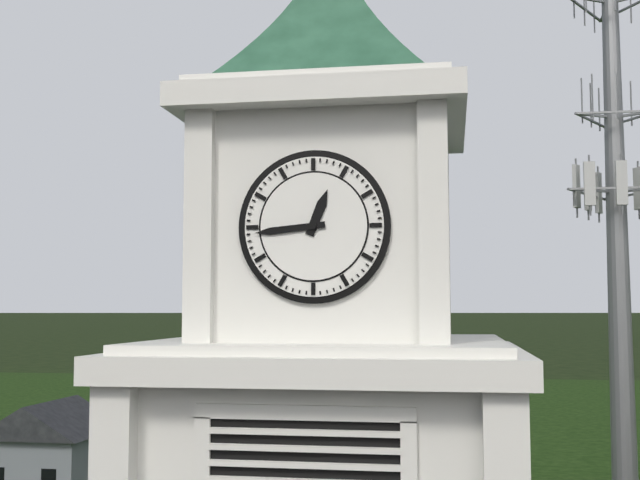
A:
12,44
